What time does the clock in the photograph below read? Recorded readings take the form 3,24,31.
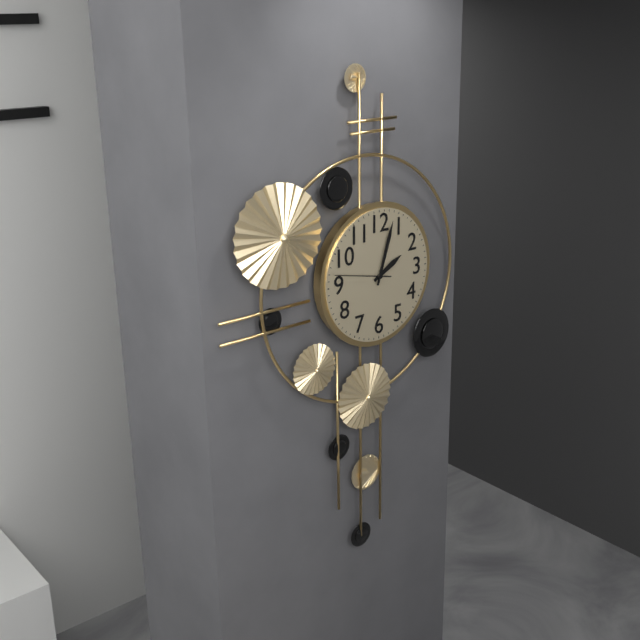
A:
2,03,47
